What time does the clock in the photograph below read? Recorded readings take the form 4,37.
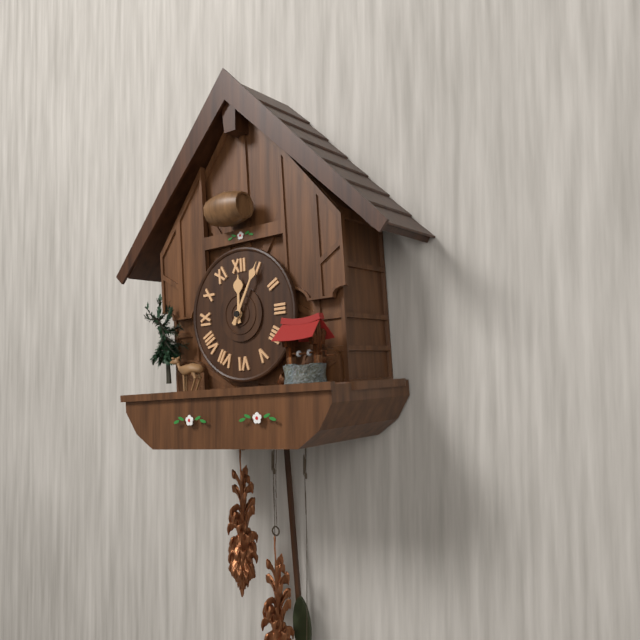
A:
12,05
